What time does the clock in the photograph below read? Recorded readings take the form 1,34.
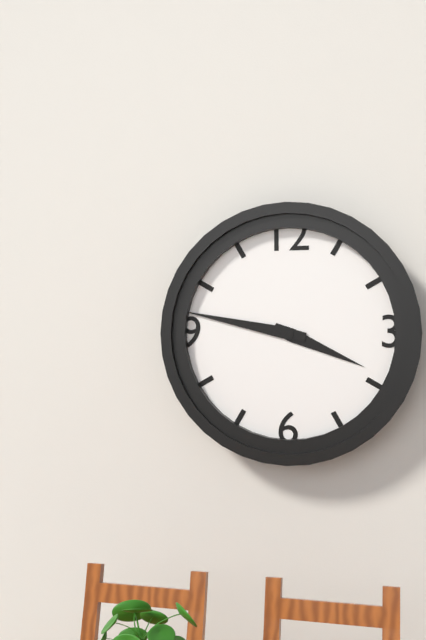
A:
3,47
